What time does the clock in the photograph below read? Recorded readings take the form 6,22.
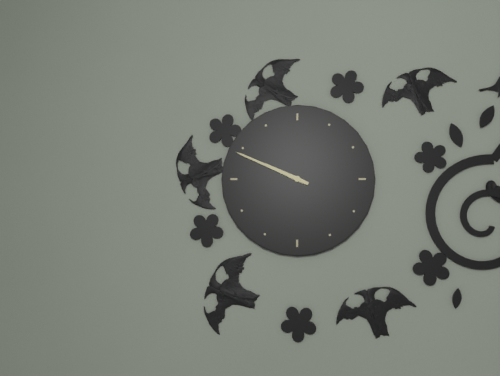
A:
9,49
